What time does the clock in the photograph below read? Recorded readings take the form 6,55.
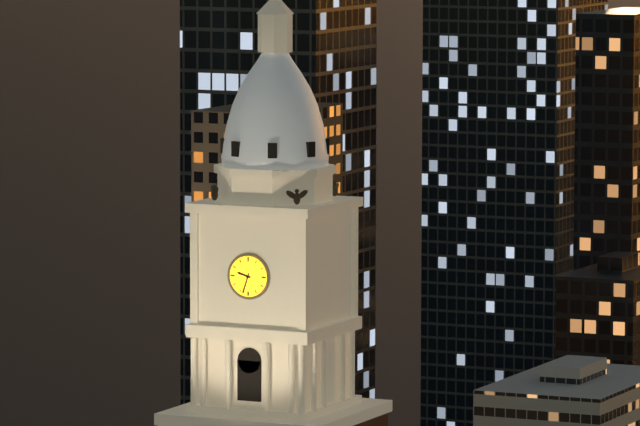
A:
9,33
